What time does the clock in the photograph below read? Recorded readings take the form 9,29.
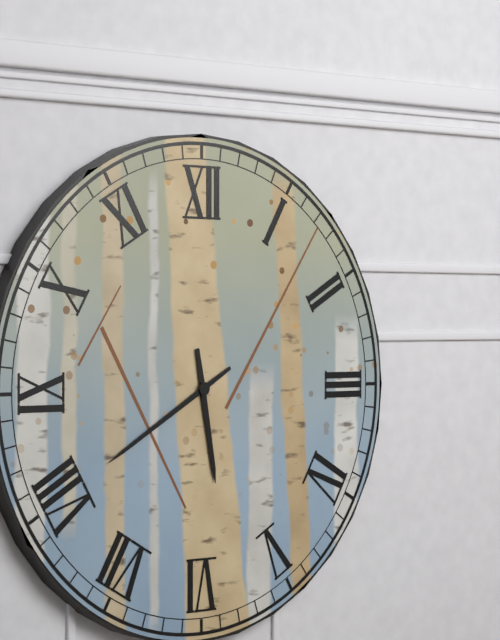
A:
5,40
